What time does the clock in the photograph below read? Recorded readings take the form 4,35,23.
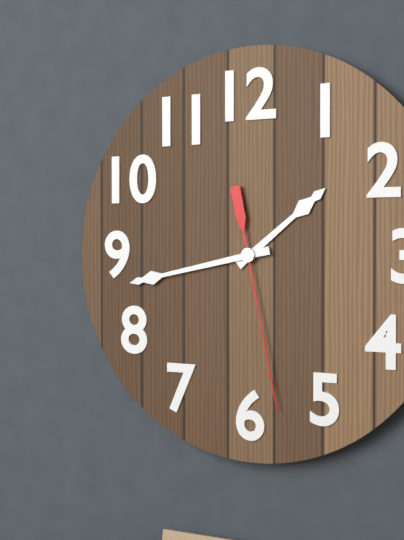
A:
1,43,28
